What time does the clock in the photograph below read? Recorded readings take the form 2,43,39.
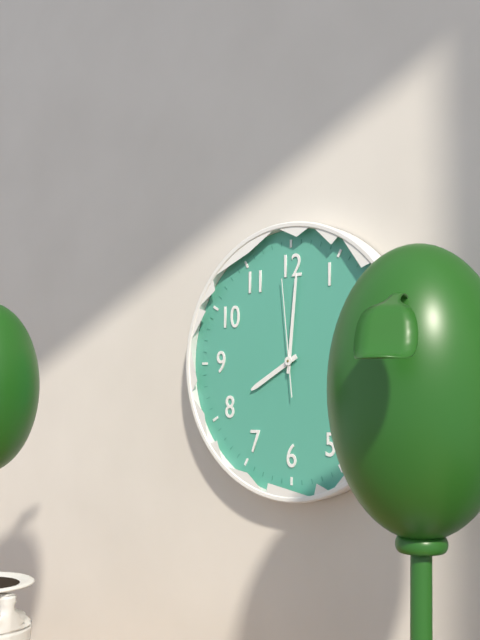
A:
8,01,59
